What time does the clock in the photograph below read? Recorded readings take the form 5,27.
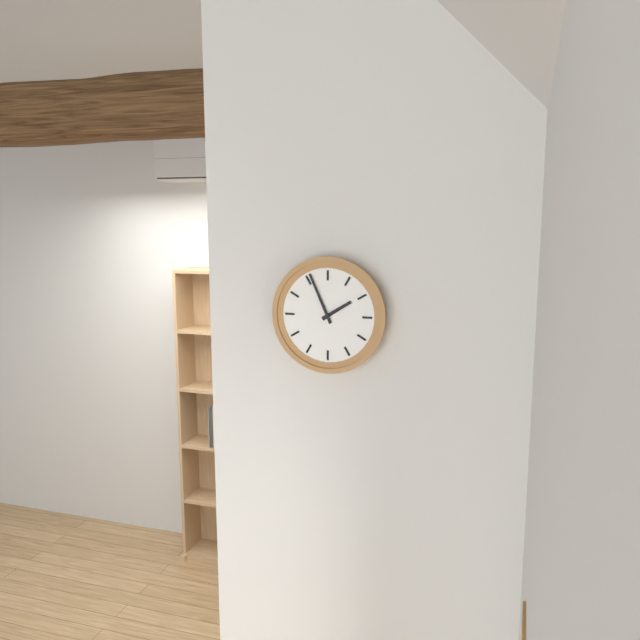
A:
1,56
